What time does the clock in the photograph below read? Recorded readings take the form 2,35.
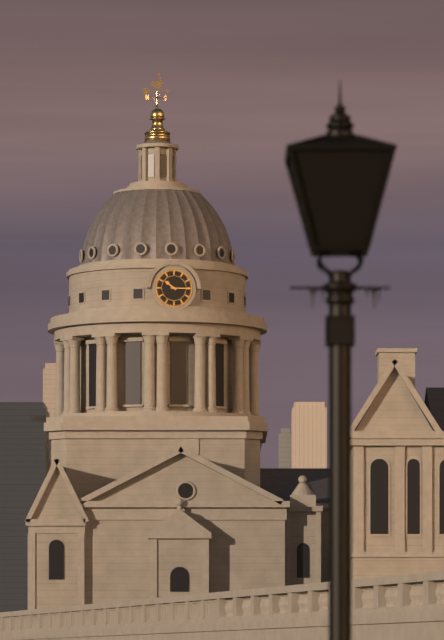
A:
10,15
